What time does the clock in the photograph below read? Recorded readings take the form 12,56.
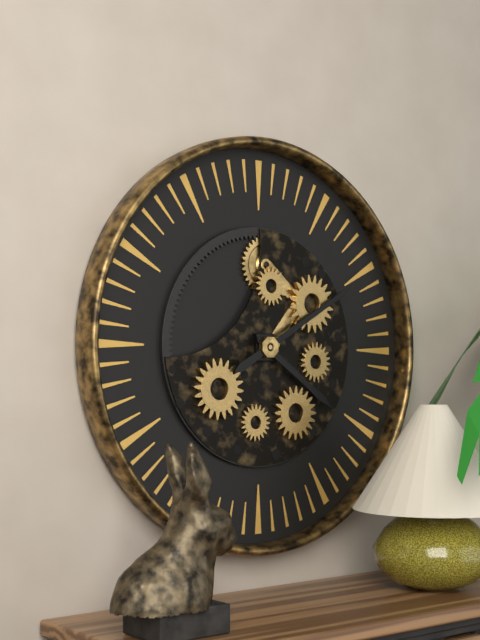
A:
4,10
